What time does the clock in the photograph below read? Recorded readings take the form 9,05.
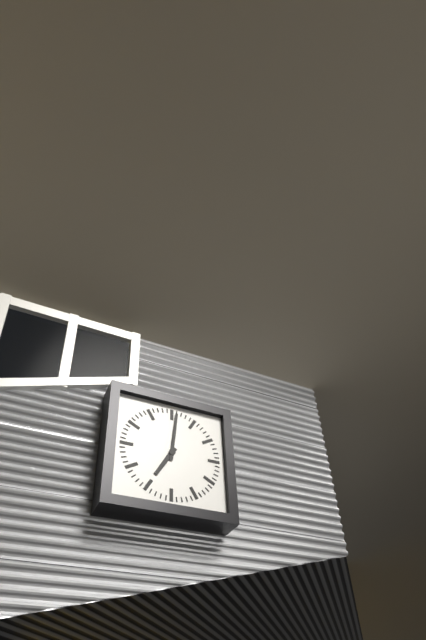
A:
7,01
